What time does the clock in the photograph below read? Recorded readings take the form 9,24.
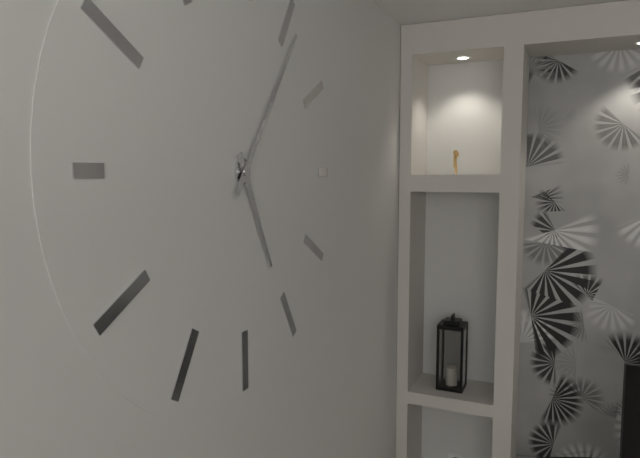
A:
5,06
